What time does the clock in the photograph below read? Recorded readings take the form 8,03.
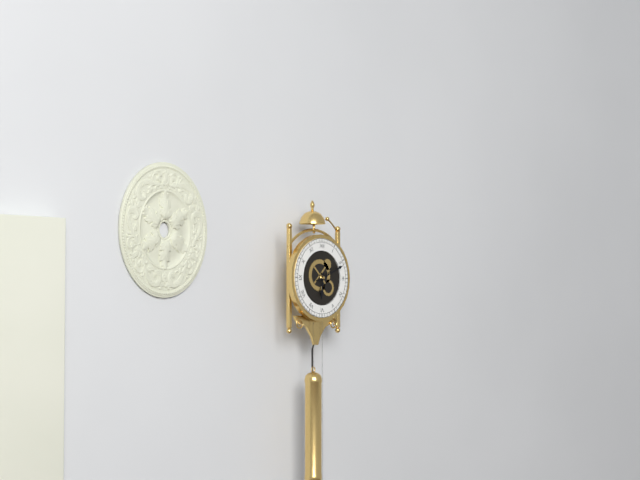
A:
6,11
